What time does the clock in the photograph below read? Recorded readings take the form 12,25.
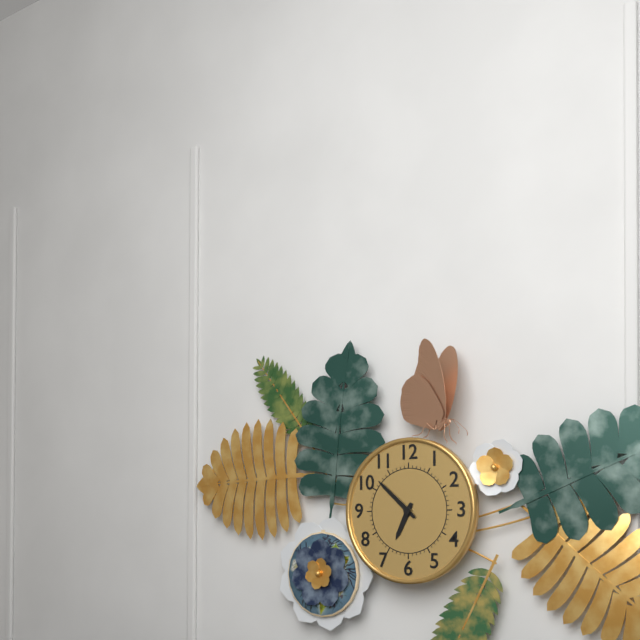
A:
6,52
